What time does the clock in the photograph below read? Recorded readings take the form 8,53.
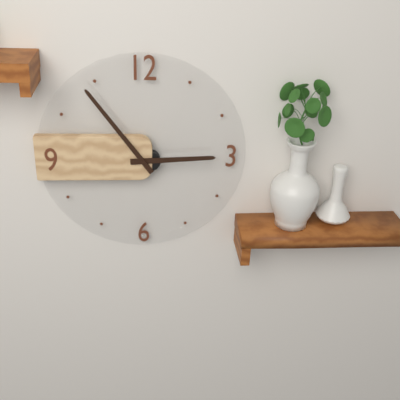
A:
2,54
